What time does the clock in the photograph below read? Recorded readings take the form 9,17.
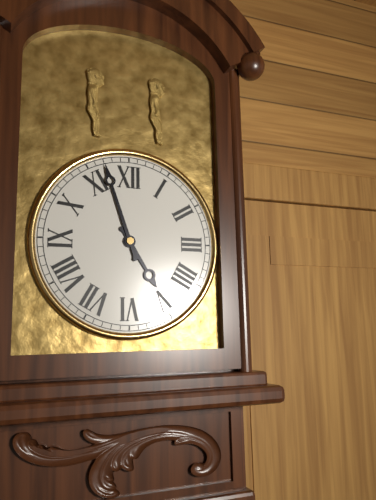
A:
4,57
